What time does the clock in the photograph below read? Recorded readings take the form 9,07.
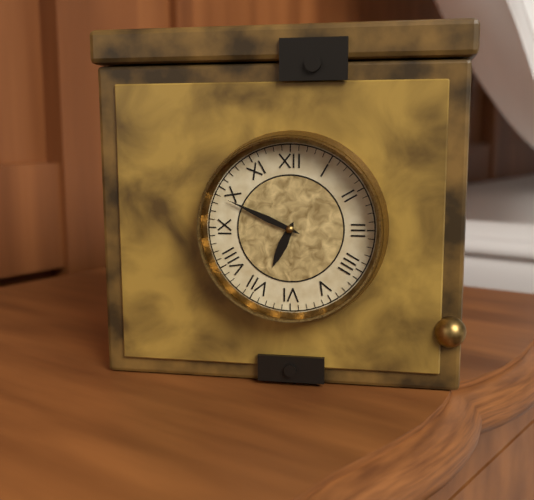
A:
6,49
